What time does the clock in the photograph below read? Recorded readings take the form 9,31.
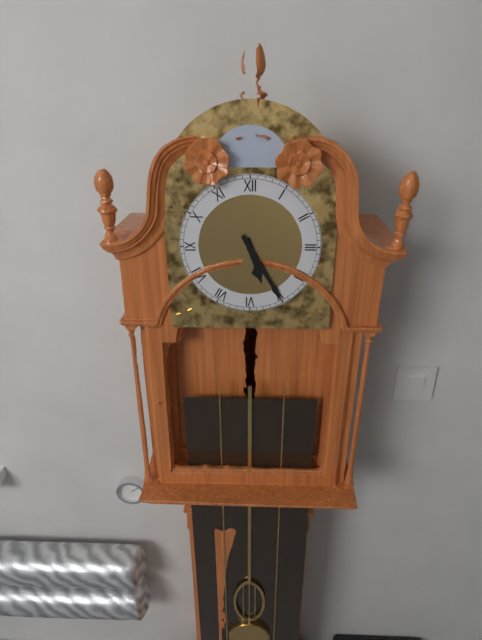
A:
5,25
